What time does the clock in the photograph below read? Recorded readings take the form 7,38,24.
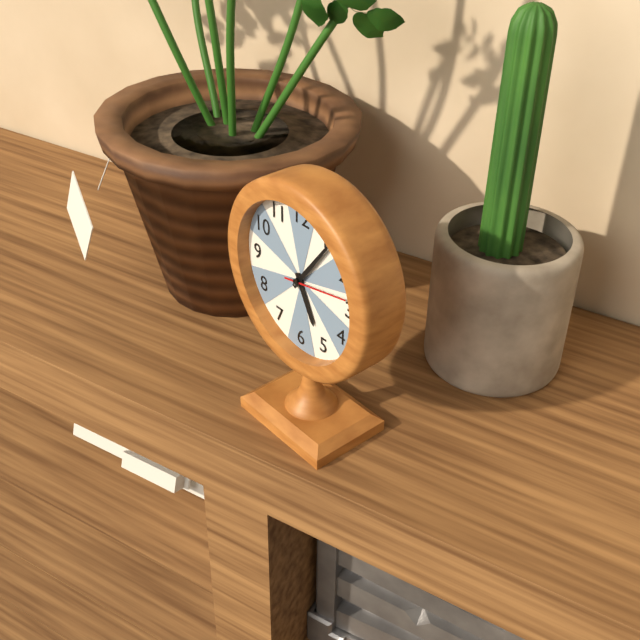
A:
5,06,13
